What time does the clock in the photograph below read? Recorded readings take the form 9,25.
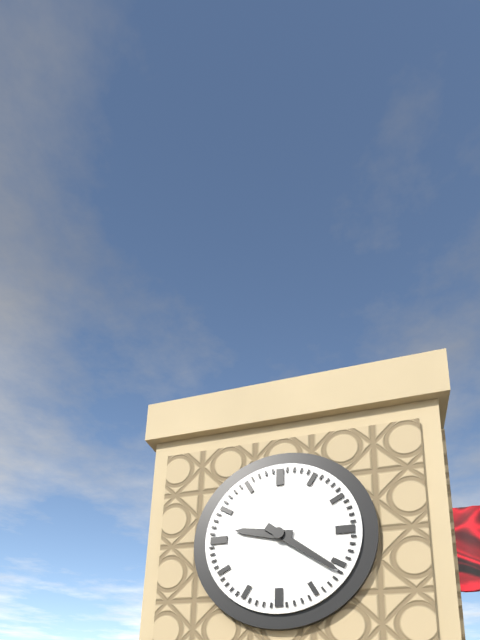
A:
9,21
